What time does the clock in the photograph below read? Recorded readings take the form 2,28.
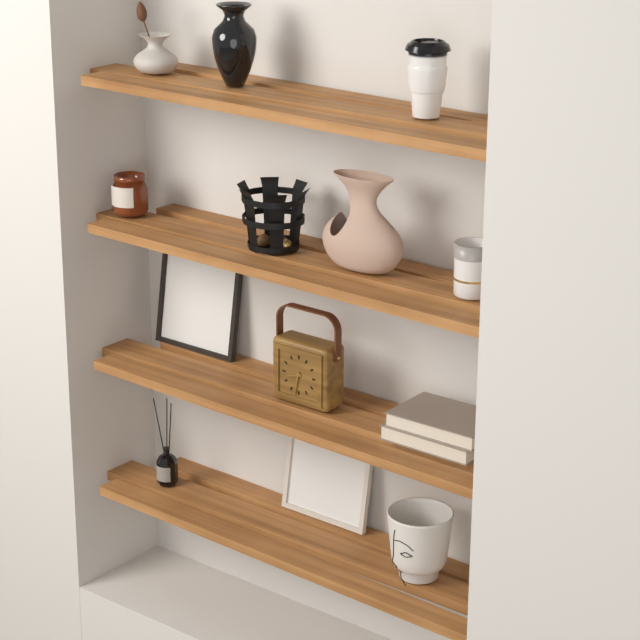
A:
8,32
